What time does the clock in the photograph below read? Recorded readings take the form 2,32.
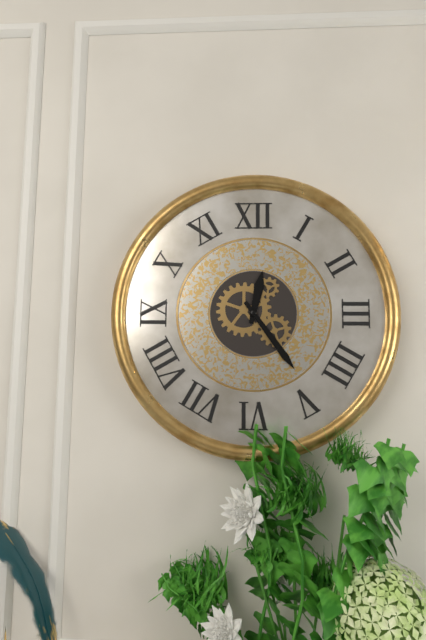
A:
12,24
